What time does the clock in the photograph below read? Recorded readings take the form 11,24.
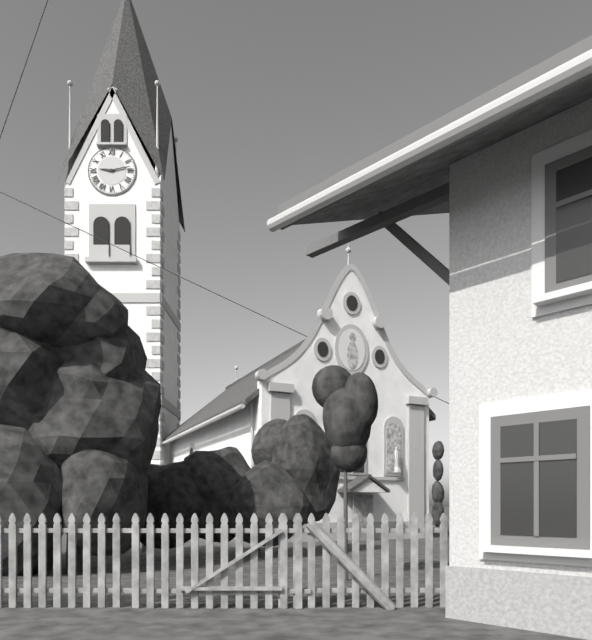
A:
9,13
